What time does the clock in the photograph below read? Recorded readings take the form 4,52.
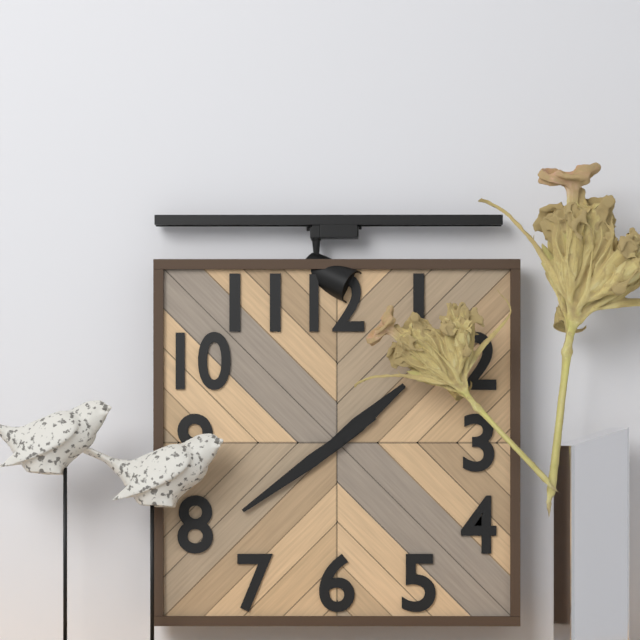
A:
1,39
